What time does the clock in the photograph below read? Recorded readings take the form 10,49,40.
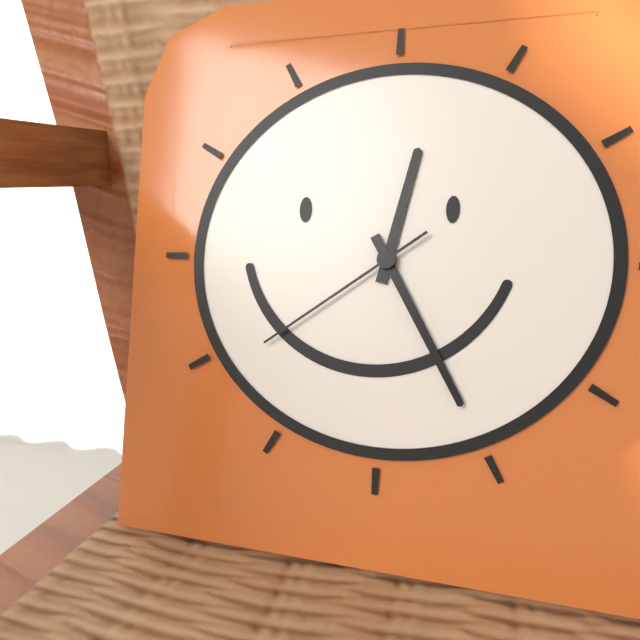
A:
12,25,39
